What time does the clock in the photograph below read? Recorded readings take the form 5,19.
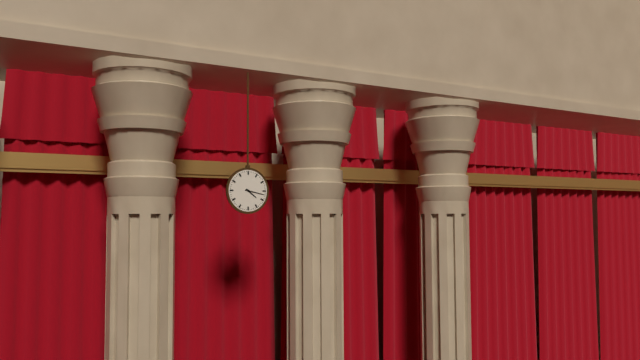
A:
4,17
